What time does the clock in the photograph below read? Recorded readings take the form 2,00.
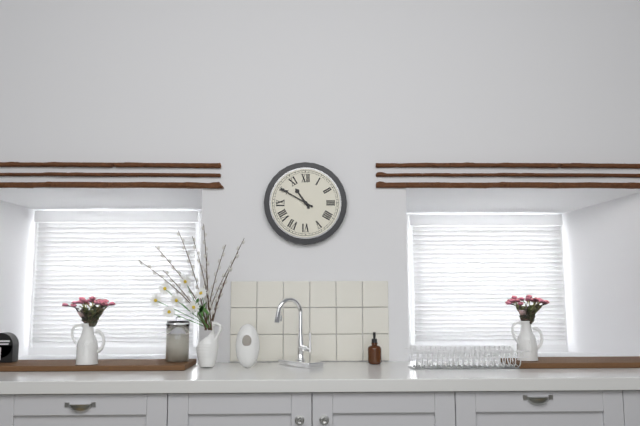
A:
10,50
